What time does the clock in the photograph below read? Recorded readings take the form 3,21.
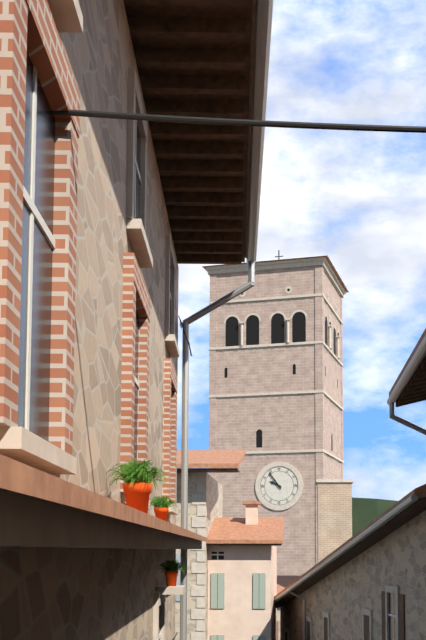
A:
9,54
